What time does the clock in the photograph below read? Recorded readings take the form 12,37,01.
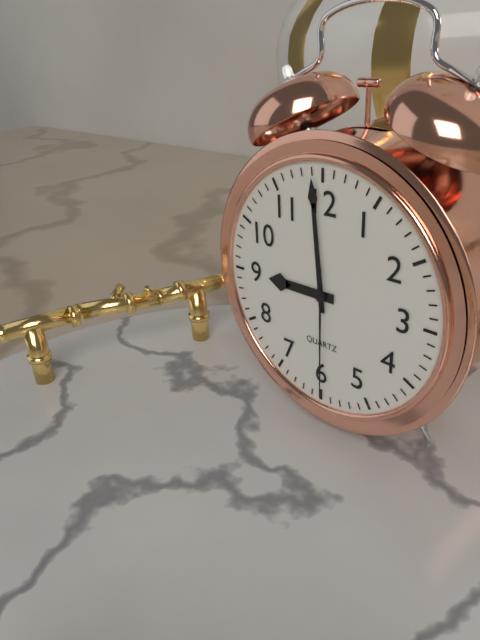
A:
8,59,30
